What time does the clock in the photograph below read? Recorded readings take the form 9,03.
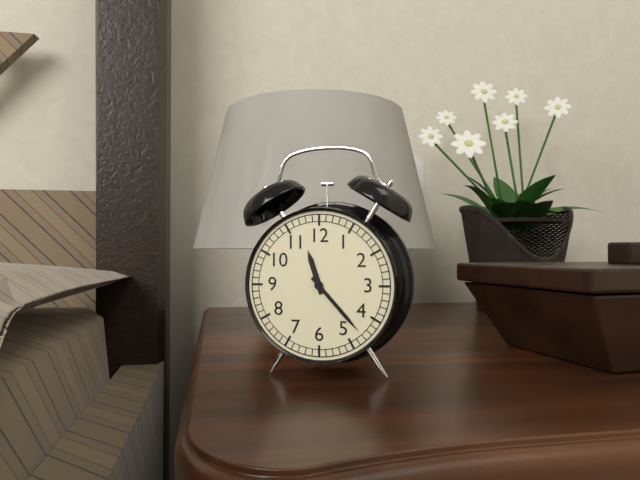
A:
11,23
